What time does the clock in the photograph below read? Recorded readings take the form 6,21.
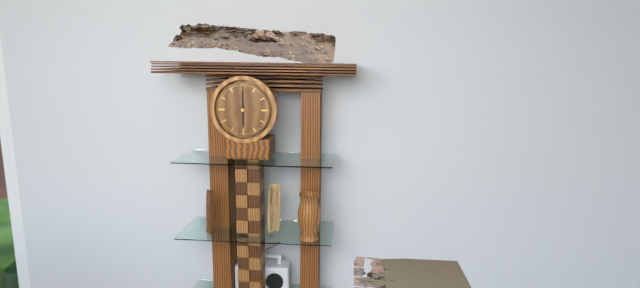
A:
6,00
